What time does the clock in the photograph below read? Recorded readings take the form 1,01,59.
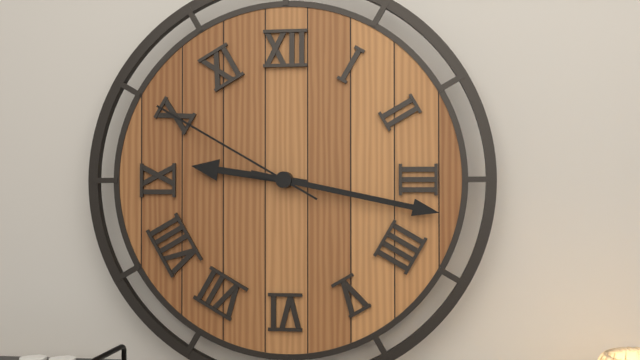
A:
9,17,50
